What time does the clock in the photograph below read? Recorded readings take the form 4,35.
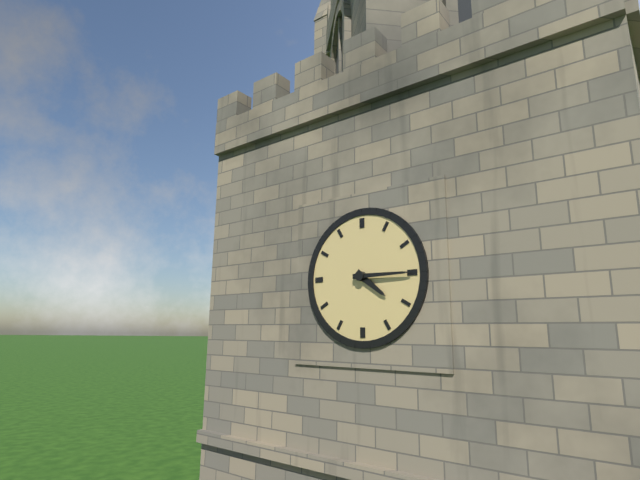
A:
4,15
